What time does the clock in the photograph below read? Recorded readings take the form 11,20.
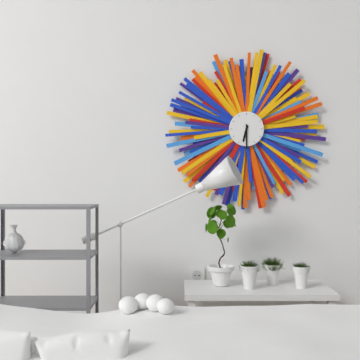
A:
6,30
